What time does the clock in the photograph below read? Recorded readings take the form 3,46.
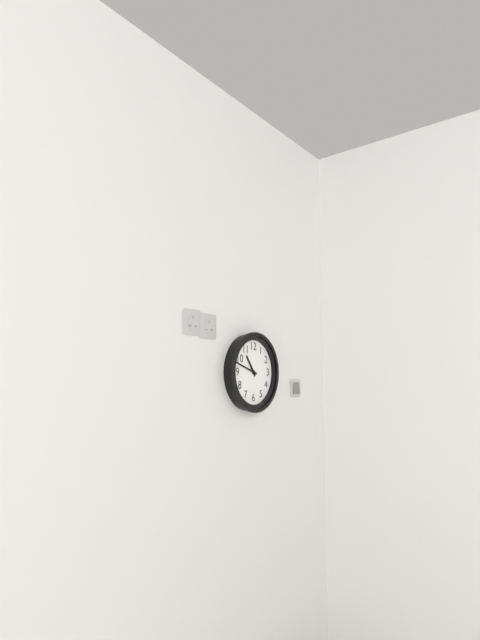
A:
10,48
